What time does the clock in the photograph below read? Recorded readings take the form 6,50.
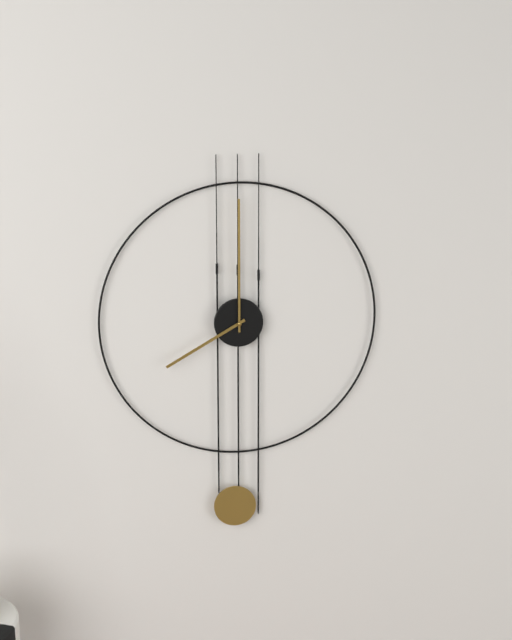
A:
8,00
